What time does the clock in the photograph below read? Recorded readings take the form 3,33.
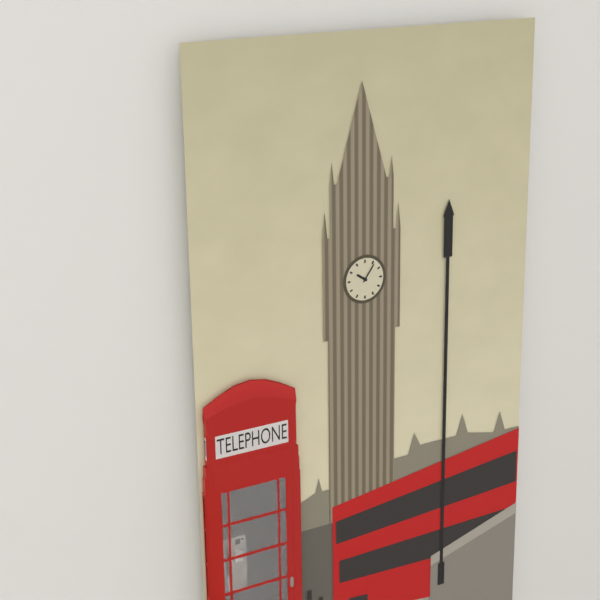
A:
10,06
